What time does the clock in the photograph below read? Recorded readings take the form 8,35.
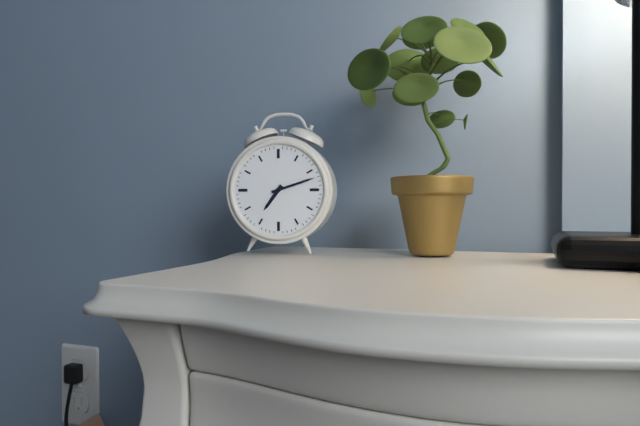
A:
7,12
